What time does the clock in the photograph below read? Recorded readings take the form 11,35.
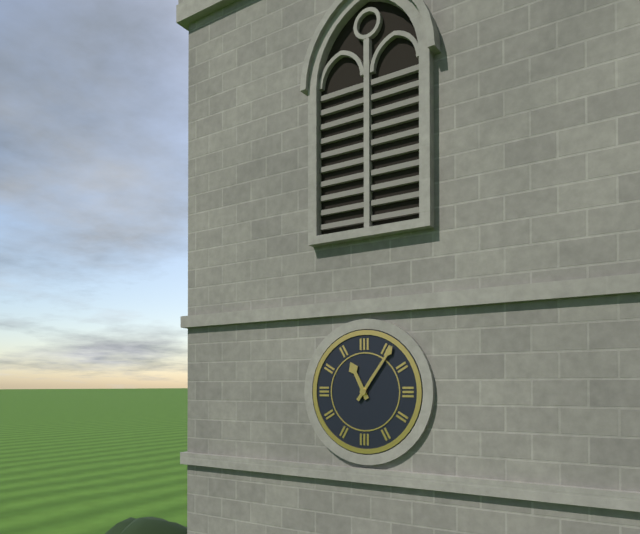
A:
11,06
